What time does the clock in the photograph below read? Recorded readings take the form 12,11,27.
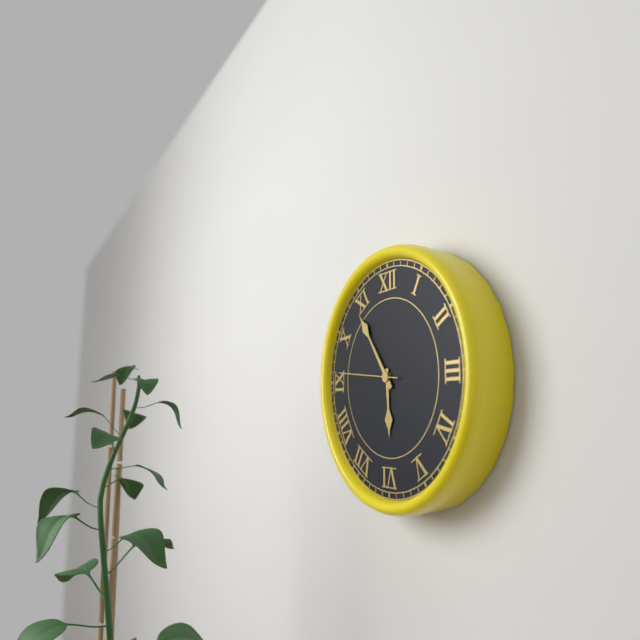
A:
5,54,46
